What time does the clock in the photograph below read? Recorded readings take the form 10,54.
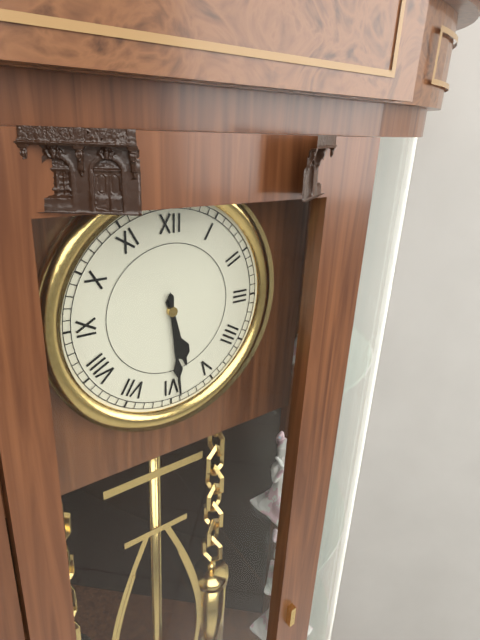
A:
5,29
